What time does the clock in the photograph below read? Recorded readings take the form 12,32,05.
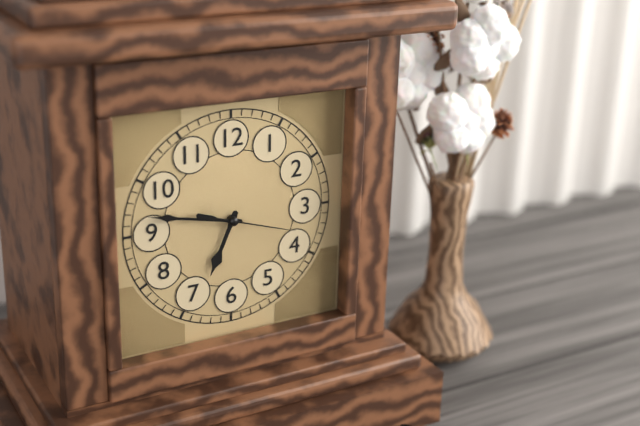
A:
6,47,18
